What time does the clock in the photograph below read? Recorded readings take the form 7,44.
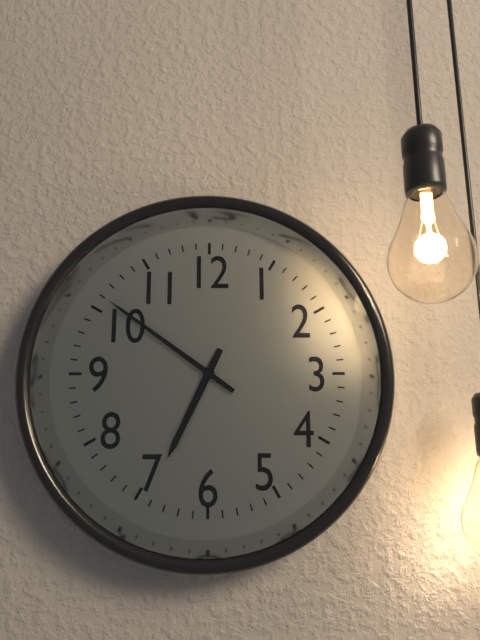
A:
6,51
